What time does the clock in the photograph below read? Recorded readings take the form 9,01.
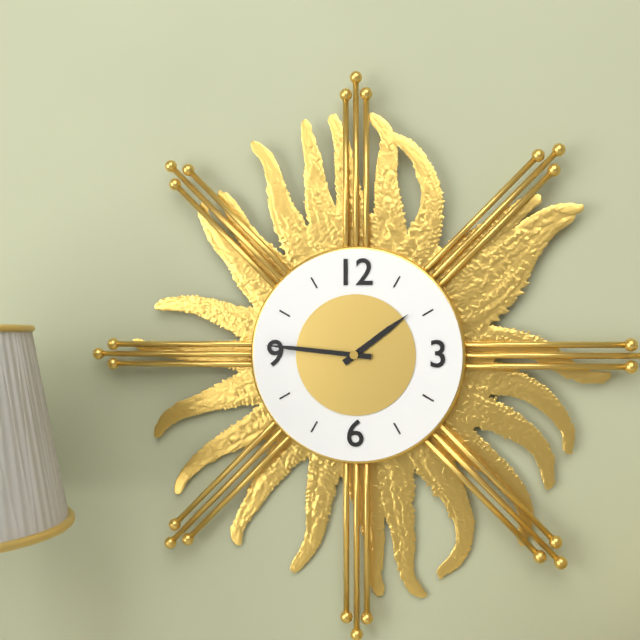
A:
1,46
